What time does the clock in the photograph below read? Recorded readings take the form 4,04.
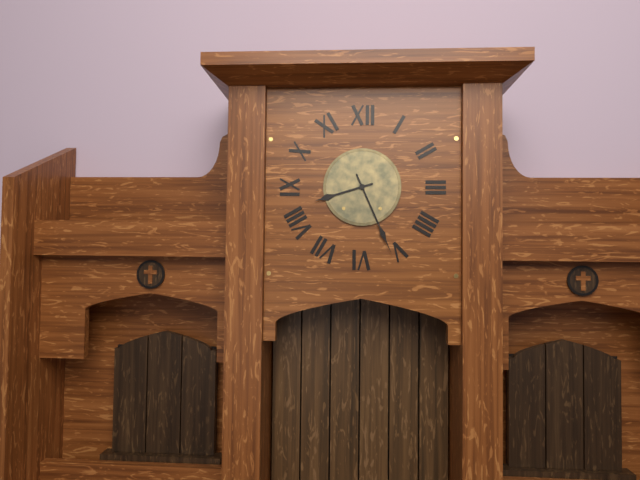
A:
8,26
